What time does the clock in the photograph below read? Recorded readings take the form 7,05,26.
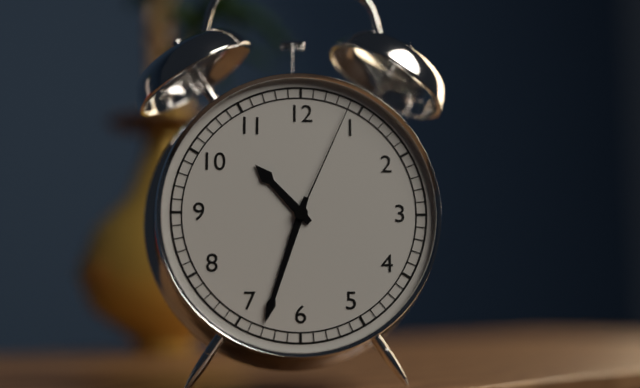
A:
10,33,04
